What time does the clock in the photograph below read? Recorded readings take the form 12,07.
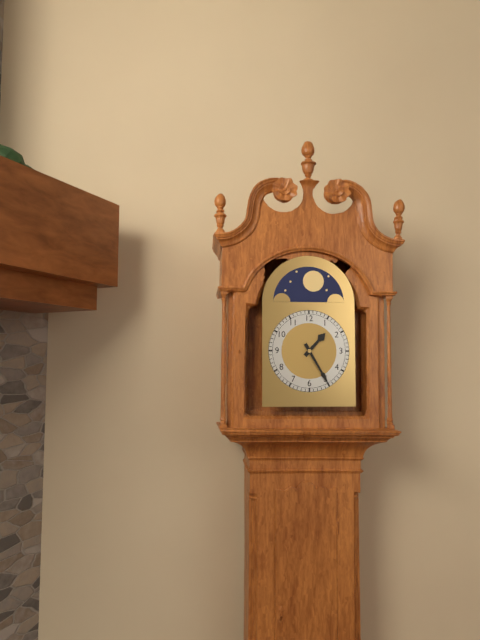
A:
1,25
